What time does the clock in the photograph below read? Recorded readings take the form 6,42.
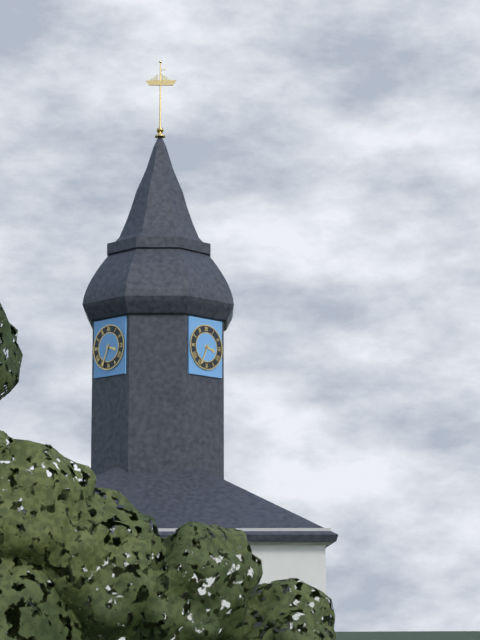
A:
3,34
